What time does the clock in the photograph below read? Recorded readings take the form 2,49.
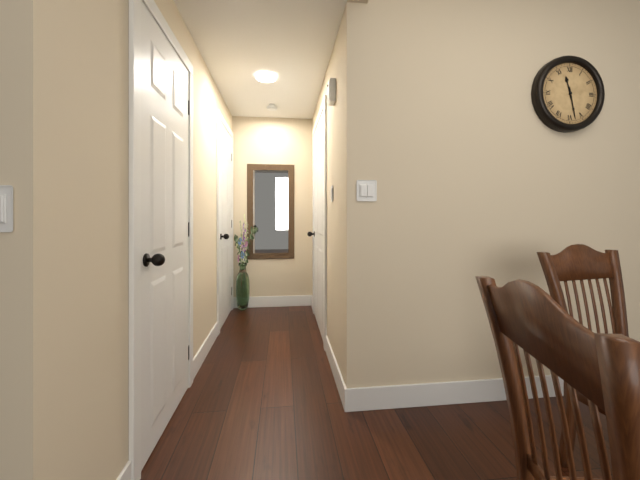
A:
11,28
